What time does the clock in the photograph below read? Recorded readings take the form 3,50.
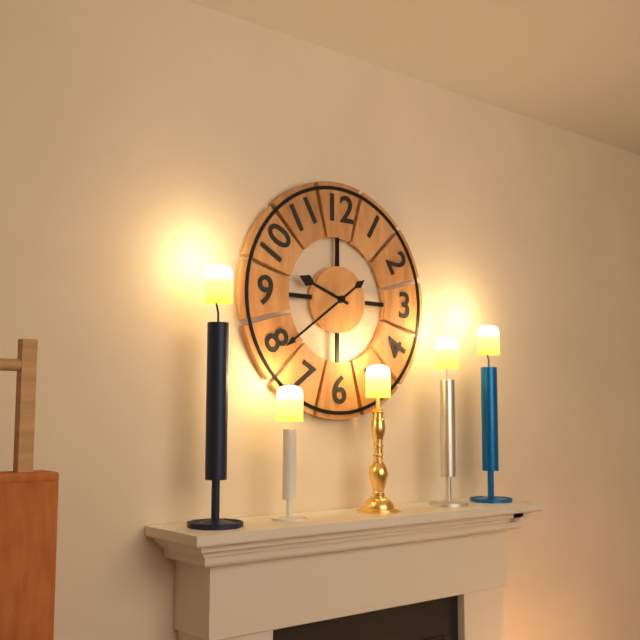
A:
9,39
